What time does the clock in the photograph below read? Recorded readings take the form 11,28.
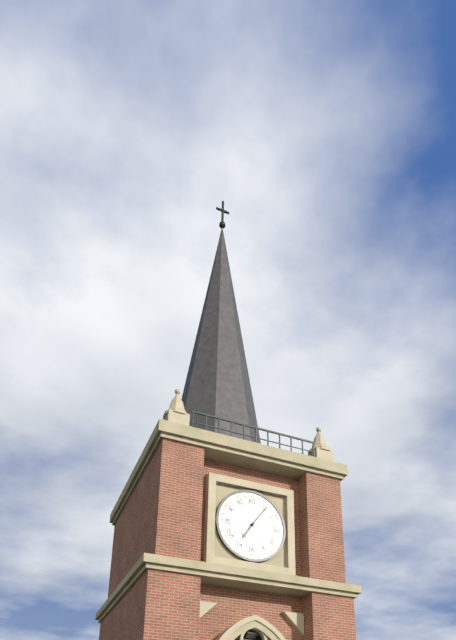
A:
7,06
